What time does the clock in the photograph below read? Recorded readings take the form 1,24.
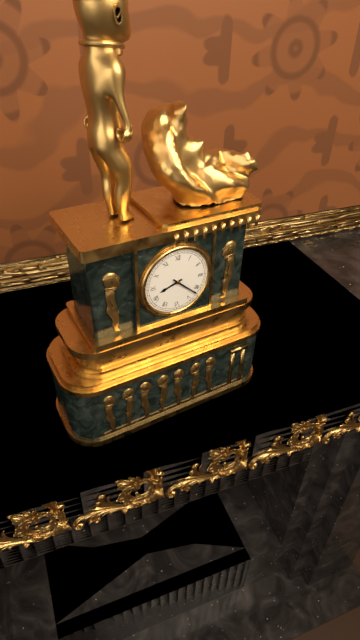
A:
8,22
